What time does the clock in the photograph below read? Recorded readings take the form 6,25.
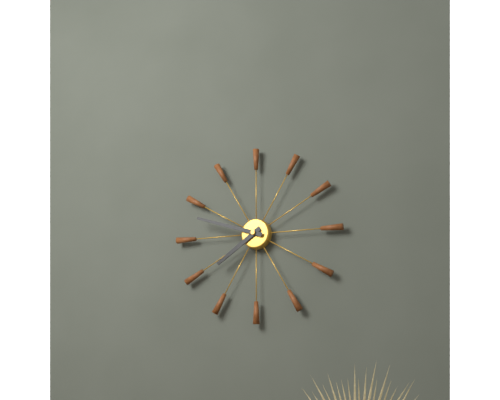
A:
7,48
